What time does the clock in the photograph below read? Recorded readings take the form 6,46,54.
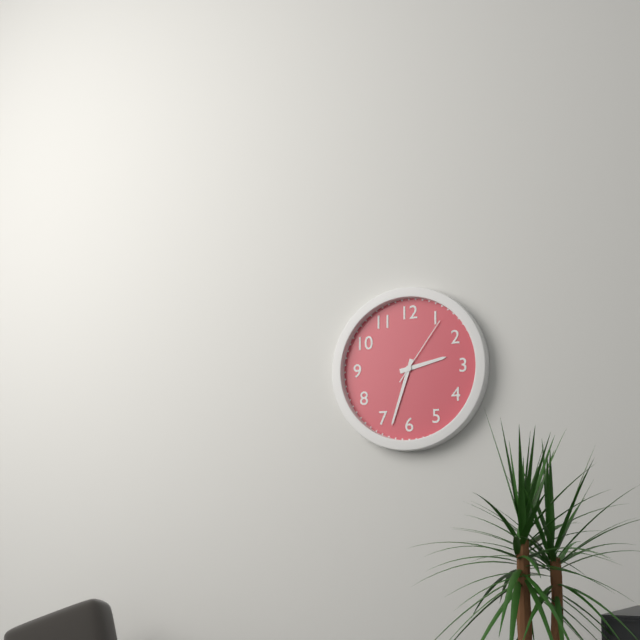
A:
2,33,06
